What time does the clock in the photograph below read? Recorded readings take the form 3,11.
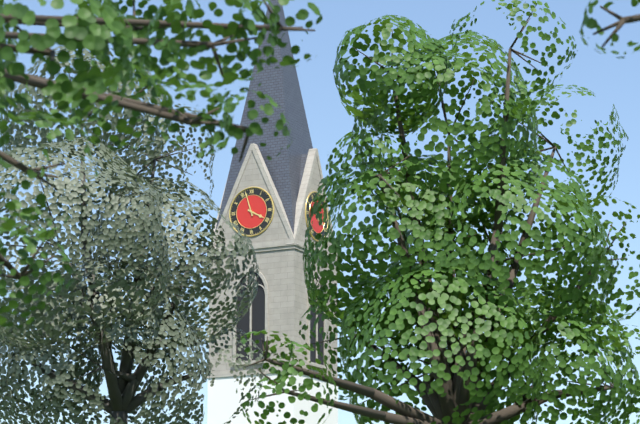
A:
3,57
